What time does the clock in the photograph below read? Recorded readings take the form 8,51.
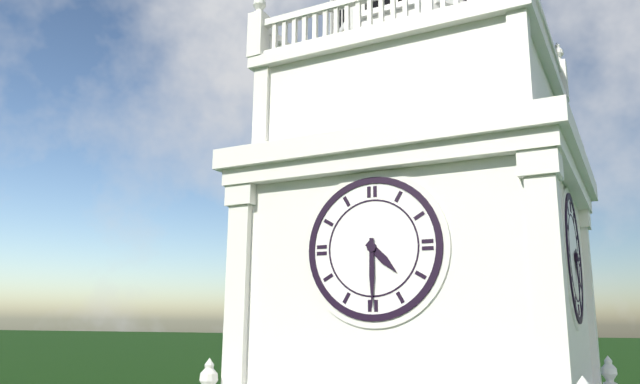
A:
4,30
